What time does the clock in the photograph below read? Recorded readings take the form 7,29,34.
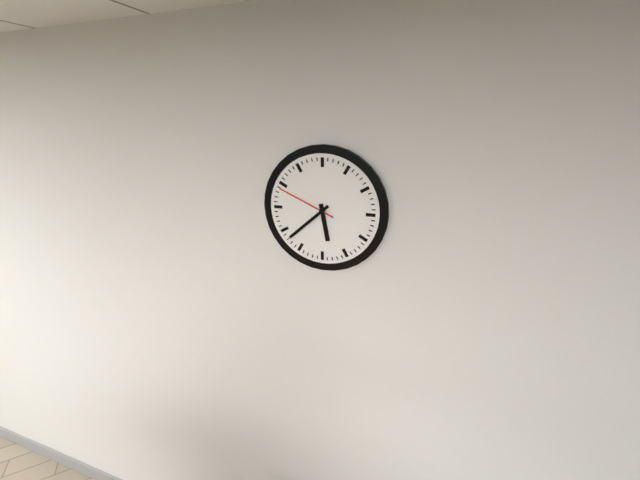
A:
5,38,49
